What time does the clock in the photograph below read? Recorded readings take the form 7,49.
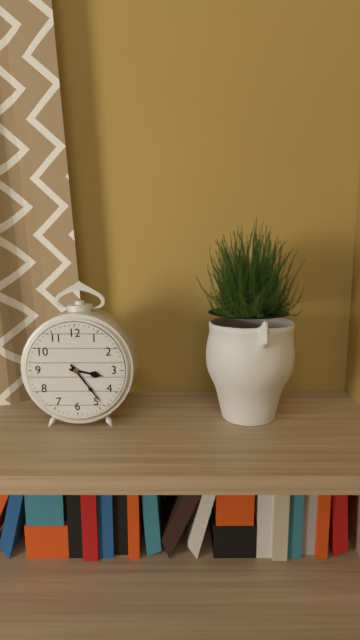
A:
3,24
